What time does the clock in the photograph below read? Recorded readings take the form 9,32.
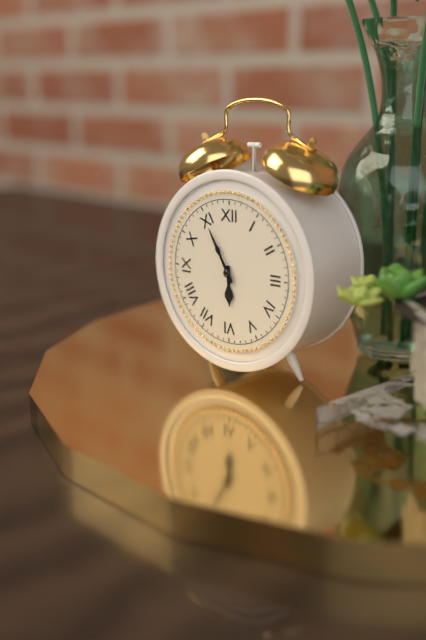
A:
5,55
